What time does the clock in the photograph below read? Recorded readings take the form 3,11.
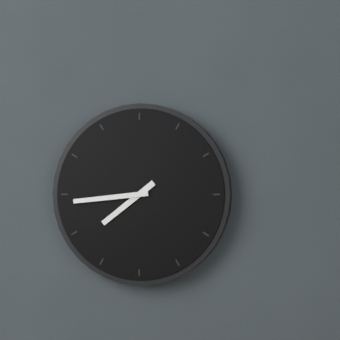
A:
7,44
